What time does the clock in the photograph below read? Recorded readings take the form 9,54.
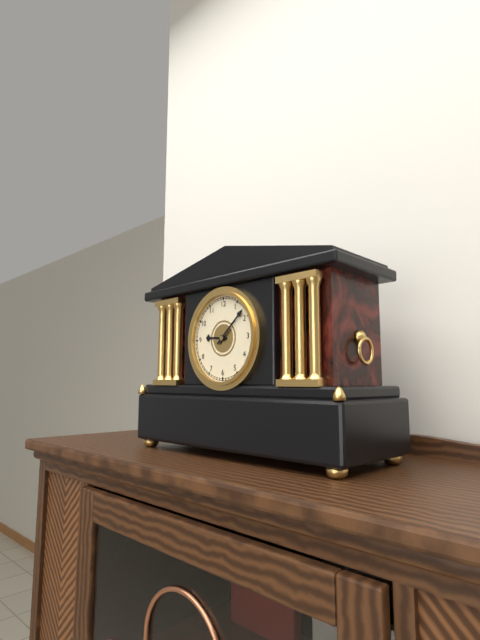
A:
9,08
